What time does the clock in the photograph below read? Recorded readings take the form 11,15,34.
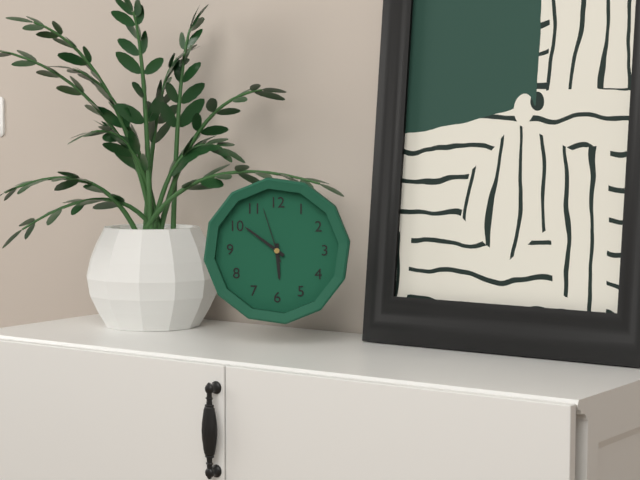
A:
5,51,57
